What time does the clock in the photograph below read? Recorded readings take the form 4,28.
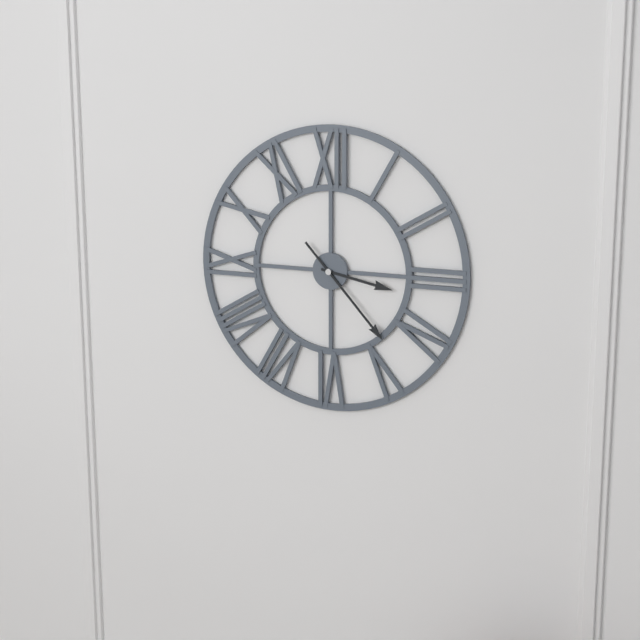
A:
3,23
